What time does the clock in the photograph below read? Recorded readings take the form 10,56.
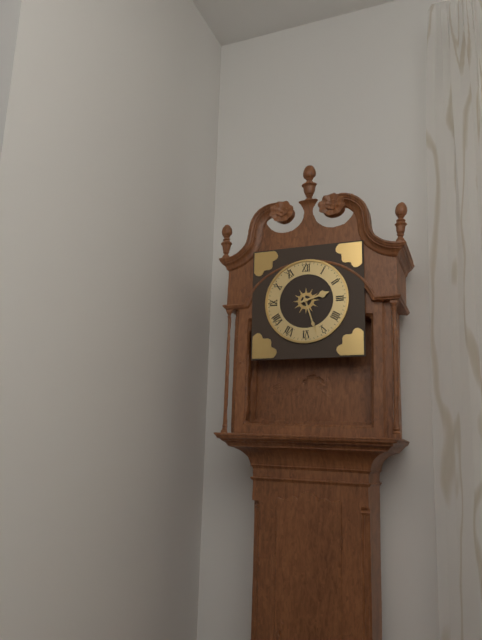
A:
2,27
